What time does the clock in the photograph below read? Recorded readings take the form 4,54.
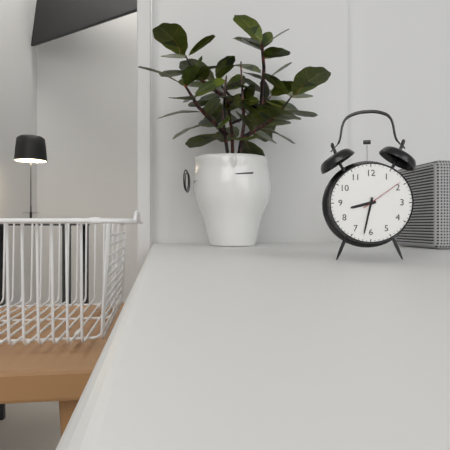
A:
8,32
